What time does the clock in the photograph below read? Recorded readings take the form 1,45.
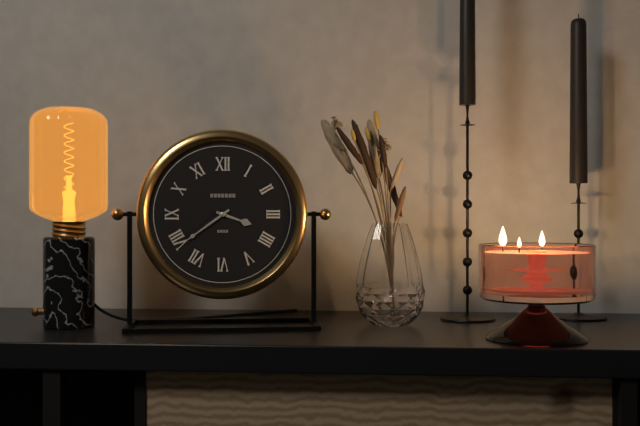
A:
3,39
